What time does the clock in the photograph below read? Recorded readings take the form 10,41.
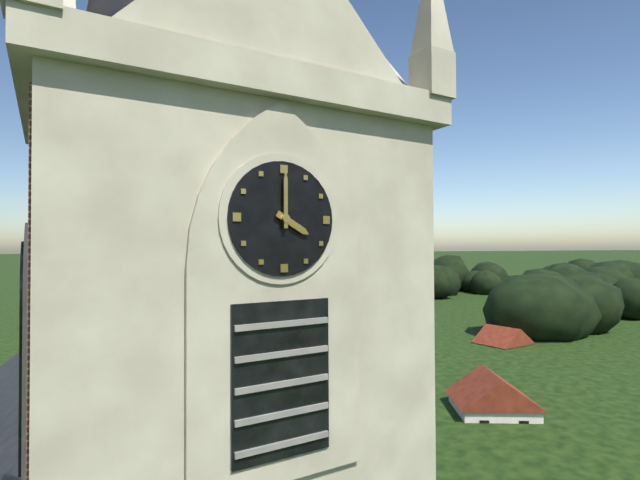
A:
4,00
